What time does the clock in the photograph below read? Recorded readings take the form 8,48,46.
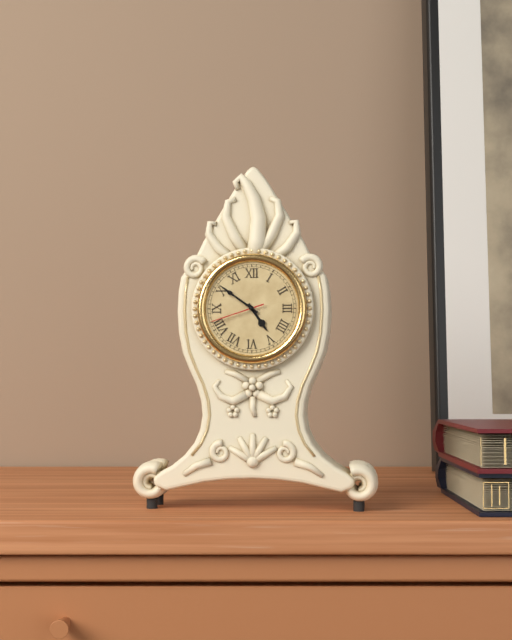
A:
4,51,42
